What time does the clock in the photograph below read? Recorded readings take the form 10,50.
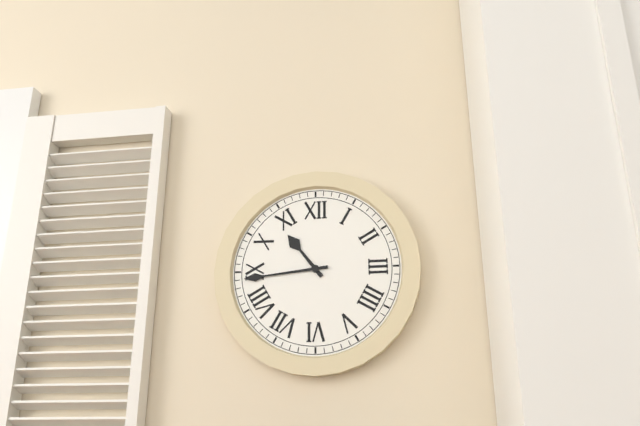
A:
10,44
